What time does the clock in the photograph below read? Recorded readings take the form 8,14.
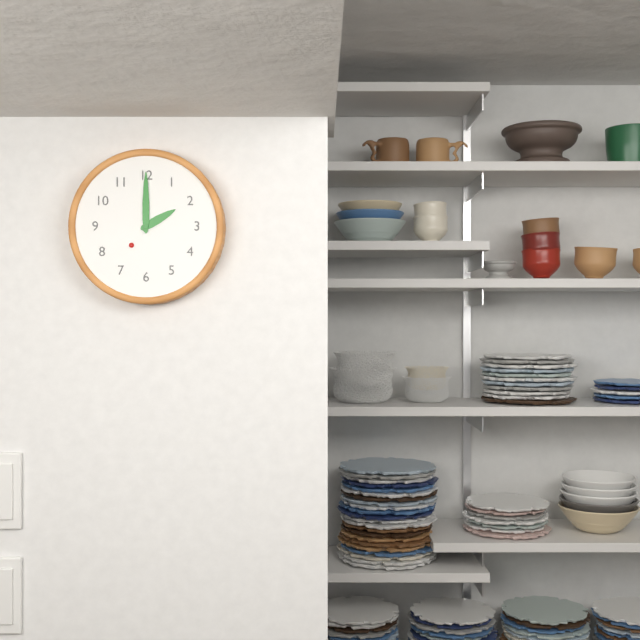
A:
2,00
